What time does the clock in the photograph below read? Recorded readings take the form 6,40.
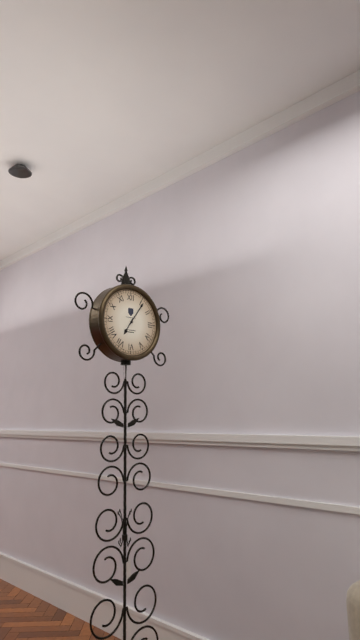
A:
7,06
